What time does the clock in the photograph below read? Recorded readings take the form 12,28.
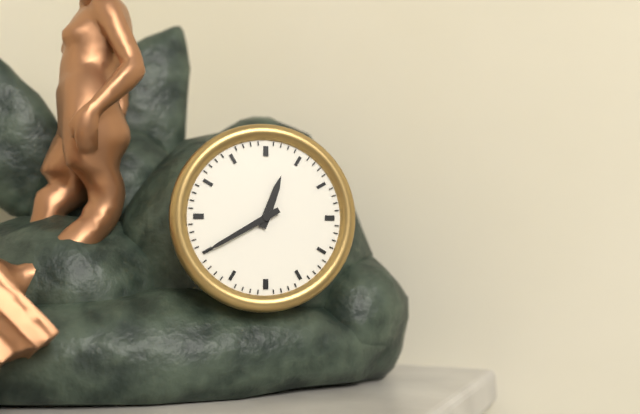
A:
12,40
